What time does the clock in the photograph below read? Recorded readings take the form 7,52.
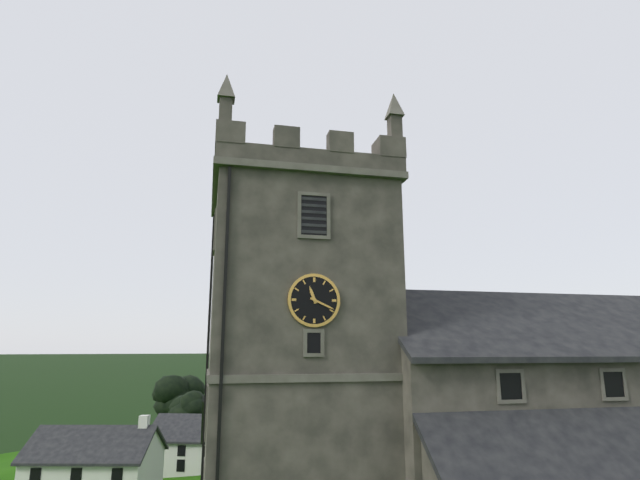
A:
11,19
